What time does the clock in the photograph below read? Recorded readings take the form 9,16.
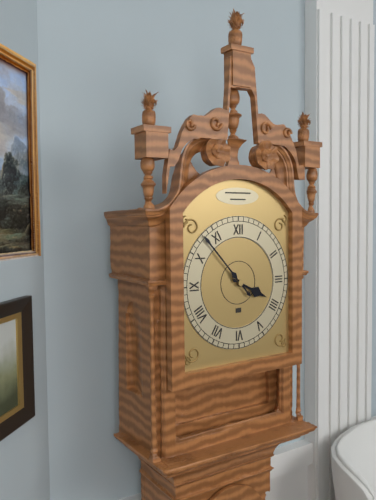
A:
3,53
